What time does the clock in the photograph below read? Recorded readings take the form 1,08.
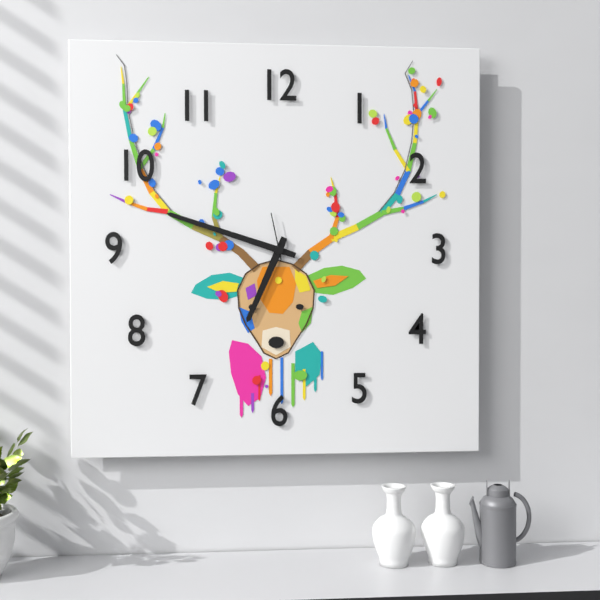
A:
6,48
